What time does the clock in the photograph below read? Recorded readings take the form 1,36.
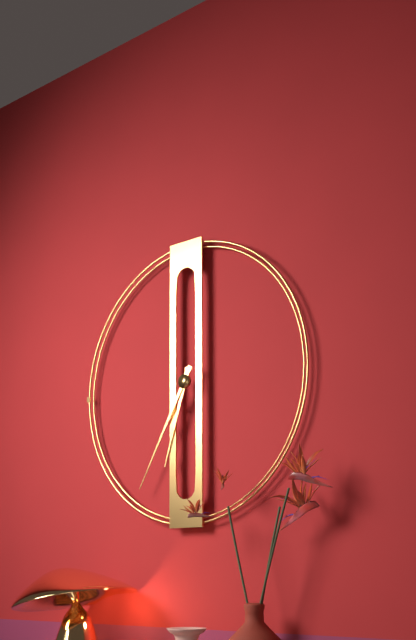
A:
6,35
